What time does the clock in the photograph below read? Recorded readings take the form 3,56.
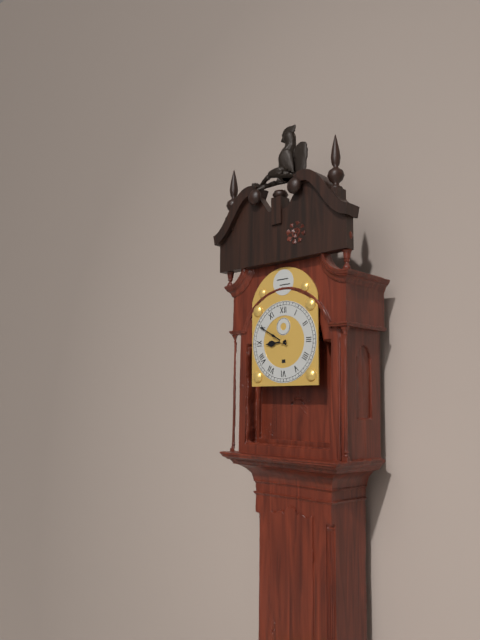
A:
8,50
